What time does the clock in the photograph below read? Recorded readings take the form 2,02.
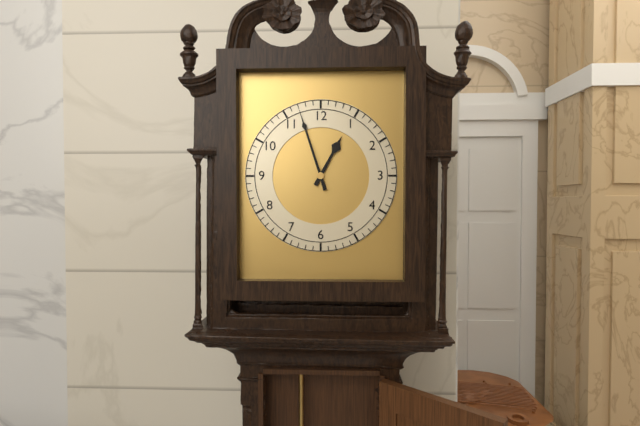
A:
12,57
